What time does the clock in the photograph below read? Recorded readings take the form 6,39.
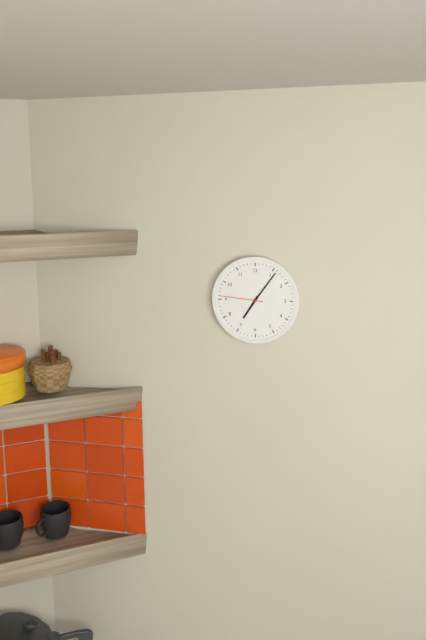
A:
7,06
